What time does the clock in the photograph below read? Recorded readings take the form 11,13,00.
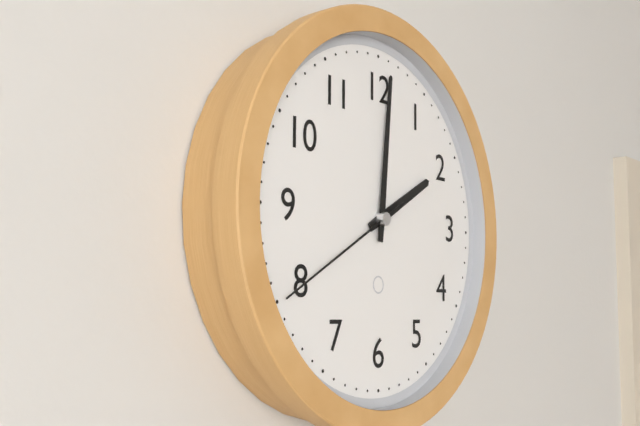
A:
2,01,40
